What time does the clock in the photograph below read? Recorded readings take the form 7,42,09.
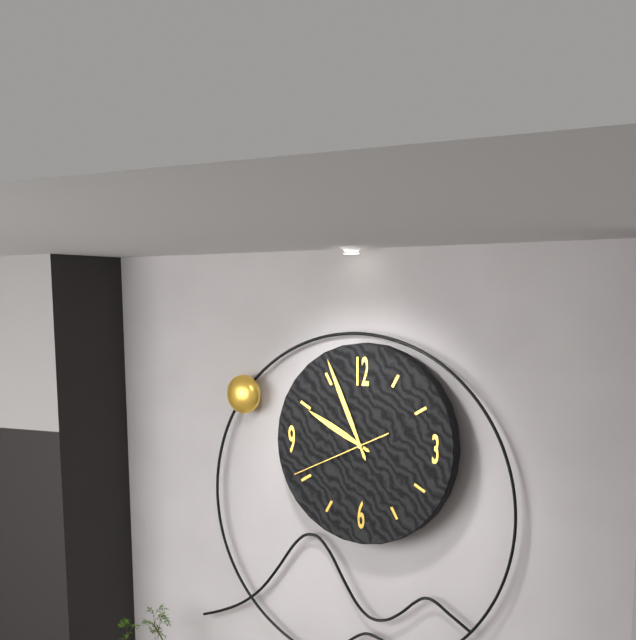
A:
9,56,41
